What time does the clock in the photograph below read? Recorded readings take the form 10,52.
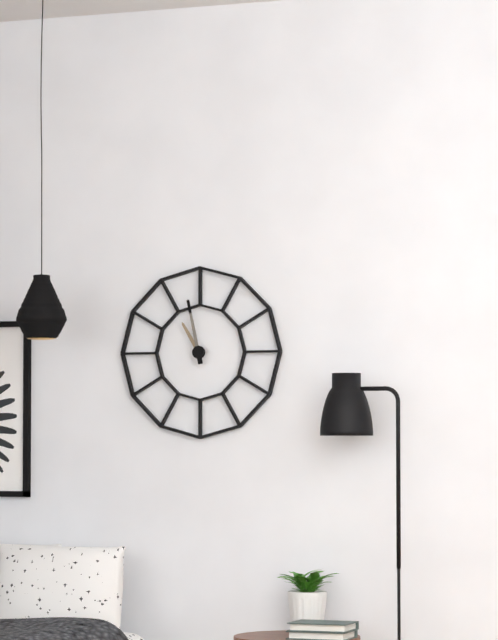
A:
10,58
